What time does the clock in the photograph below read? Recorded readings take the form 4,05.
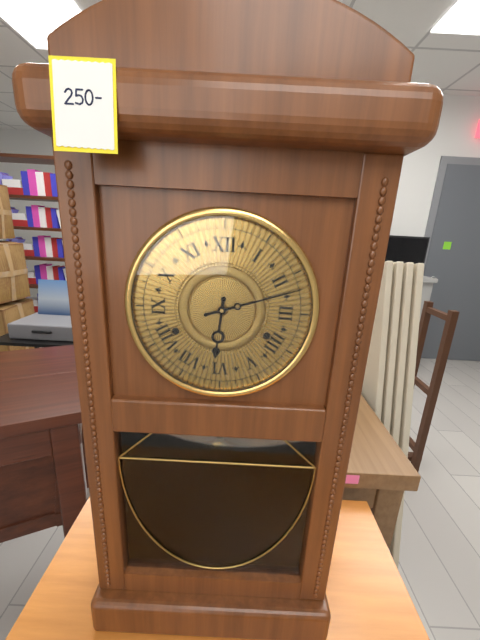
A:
6,12
